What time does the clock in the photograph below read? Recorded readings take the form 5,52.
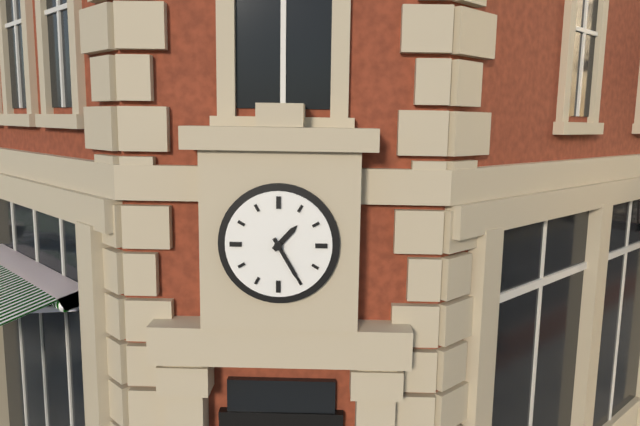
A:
1,25
